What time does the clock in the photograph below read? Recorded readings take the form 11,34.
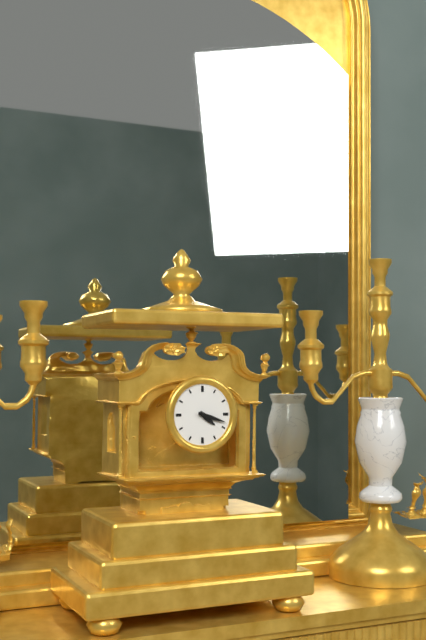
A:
4,18
